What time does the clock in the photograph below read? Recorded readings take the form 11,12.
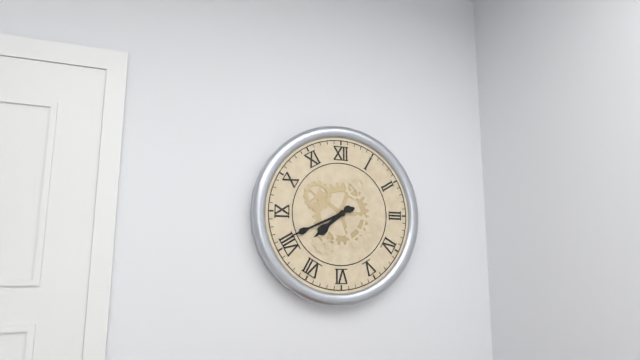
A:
7,41
